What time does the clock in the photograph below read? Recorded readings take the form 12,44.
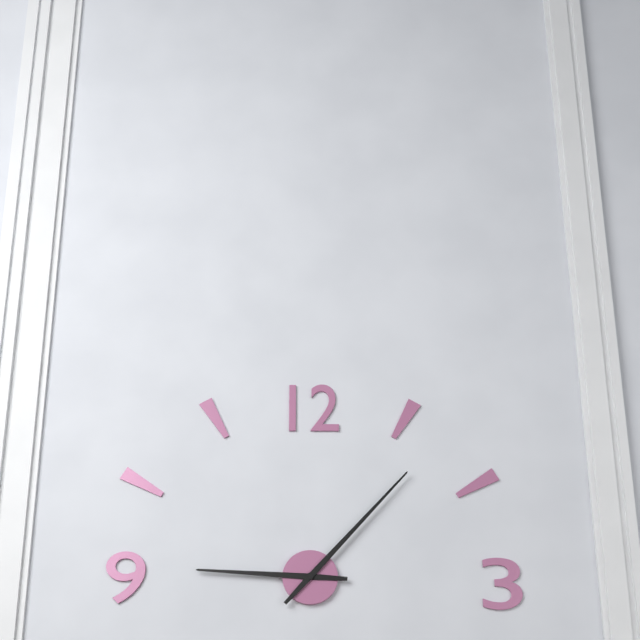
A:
9,07
